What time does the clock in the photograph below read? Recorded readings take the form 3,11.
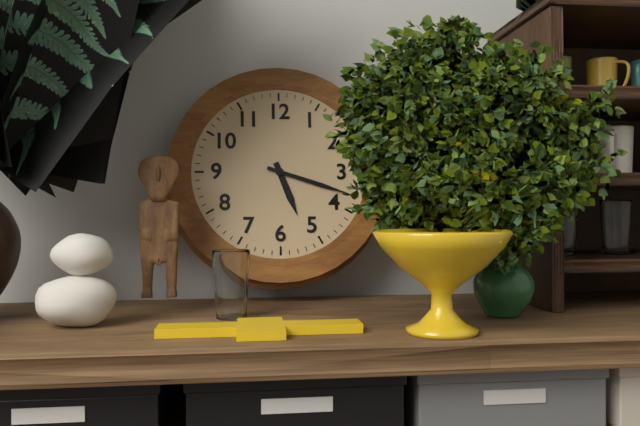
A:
5,18
